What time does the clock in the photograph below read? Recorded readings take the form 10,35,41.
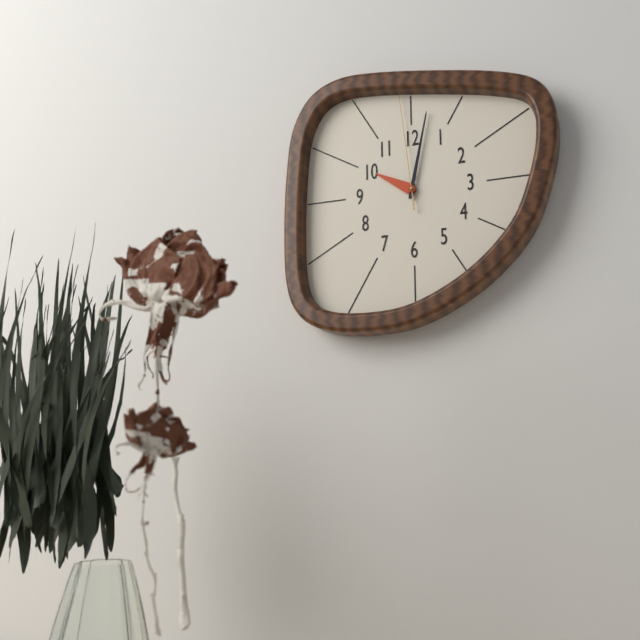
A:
10,02,59
